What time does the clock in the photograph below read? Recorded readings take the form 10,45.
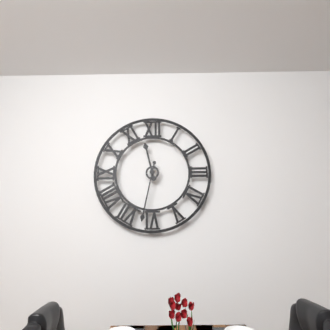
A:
11,32
